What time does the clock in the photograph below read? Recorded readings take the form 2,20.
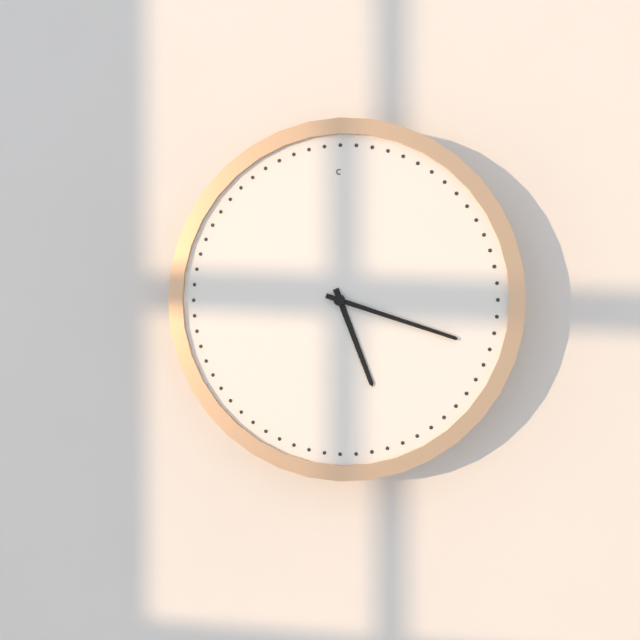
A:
5,18
